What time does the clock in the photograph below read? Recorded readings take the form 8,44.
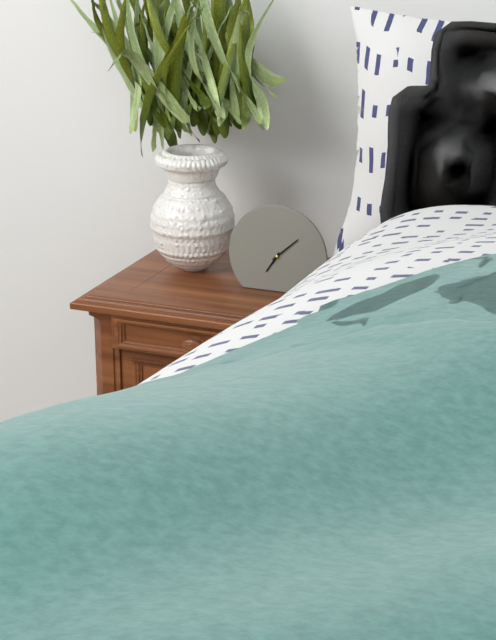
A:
7,08
